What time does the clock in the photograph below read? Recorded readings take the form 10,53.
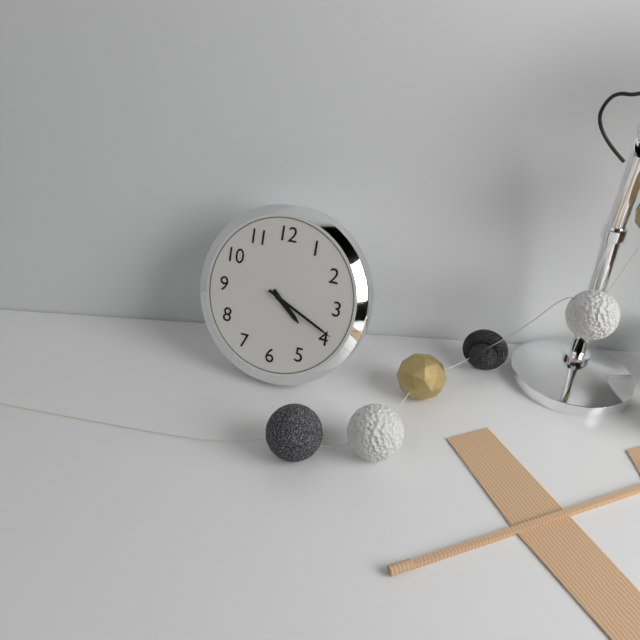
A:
4,19
